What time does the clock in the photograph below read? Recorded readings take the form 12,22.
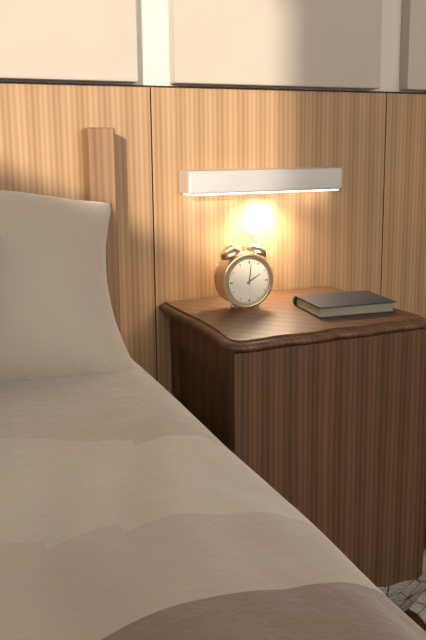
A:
2,01
